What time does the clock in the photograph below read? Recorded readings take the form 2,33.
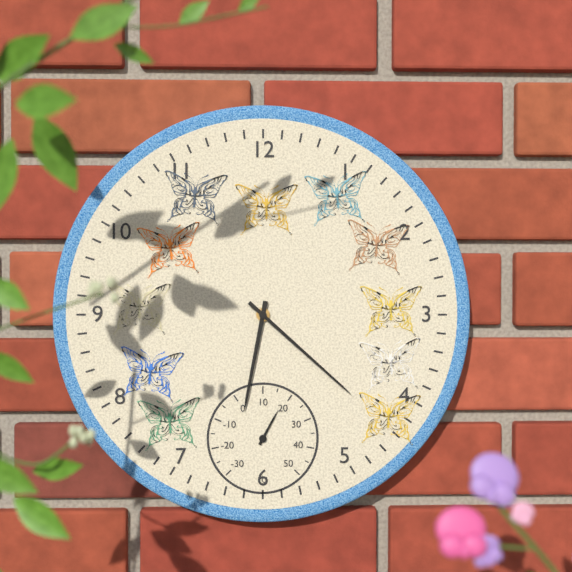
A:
6,22
